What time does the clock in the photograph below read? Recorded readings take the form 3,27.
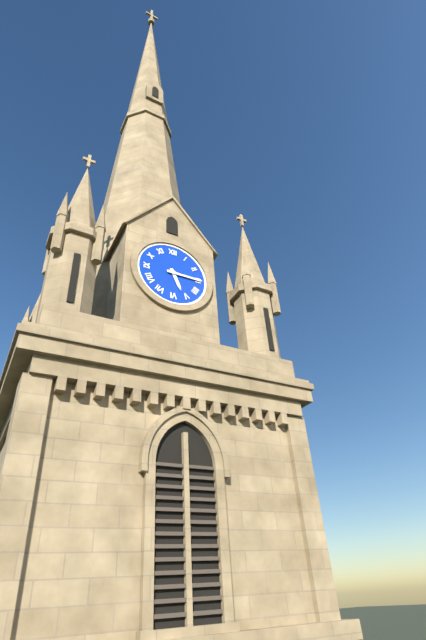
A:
5,15
